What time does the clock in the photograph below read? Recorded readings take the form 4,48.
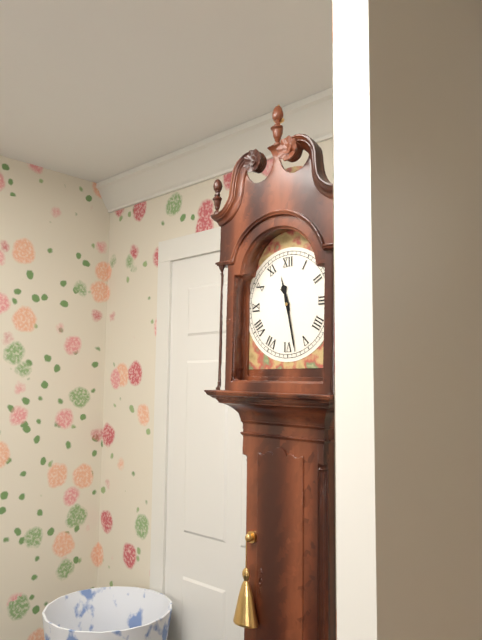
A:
11,28
